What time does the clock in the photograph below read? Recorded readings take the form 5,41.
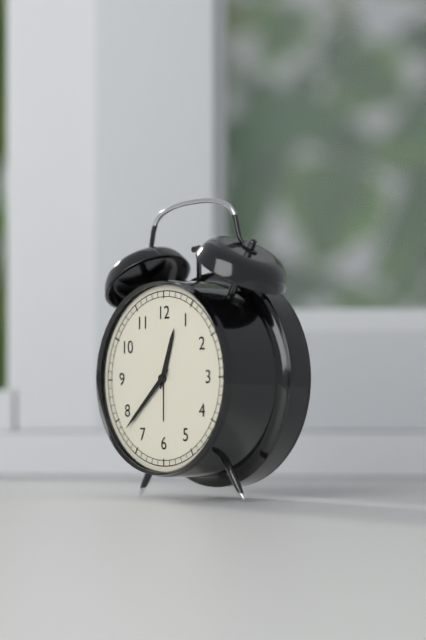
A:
12,38
